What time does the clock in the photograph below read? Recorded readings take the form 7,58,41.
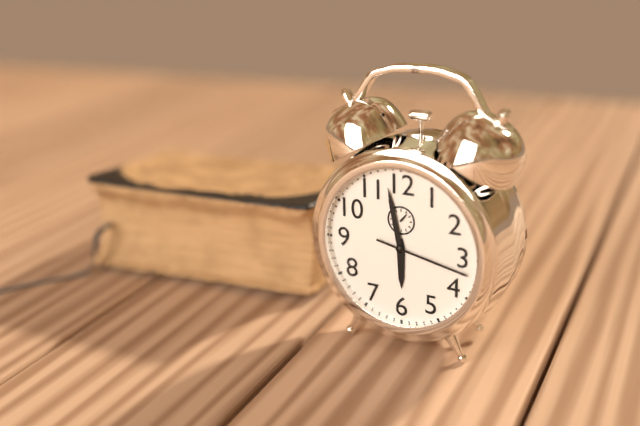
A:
5,58,17
